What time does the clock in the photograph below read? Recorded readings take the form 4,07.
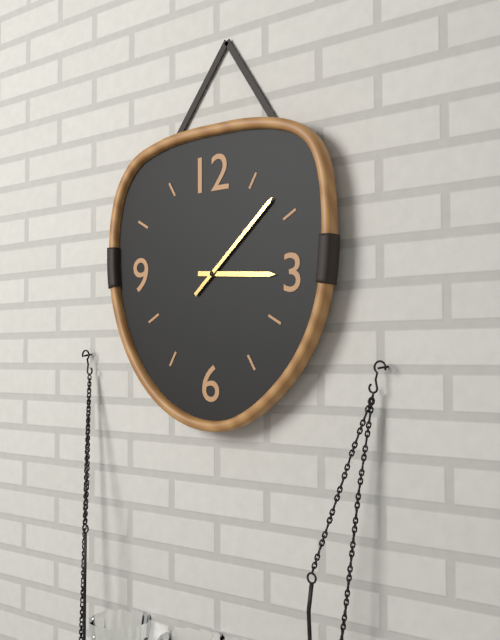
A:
3,08
